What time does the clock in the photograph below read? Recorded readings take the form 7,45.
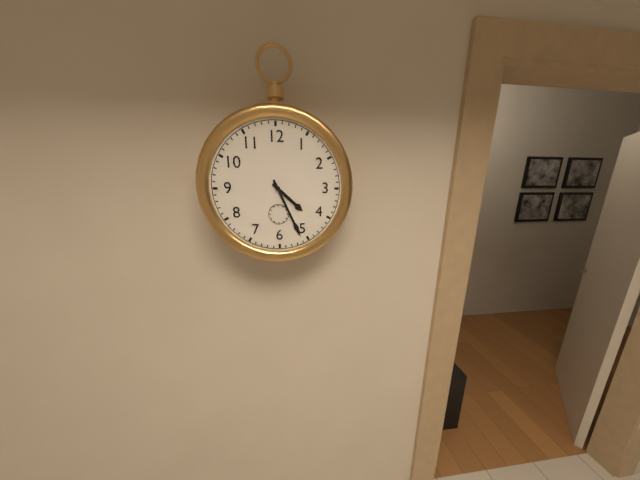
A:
4,26
